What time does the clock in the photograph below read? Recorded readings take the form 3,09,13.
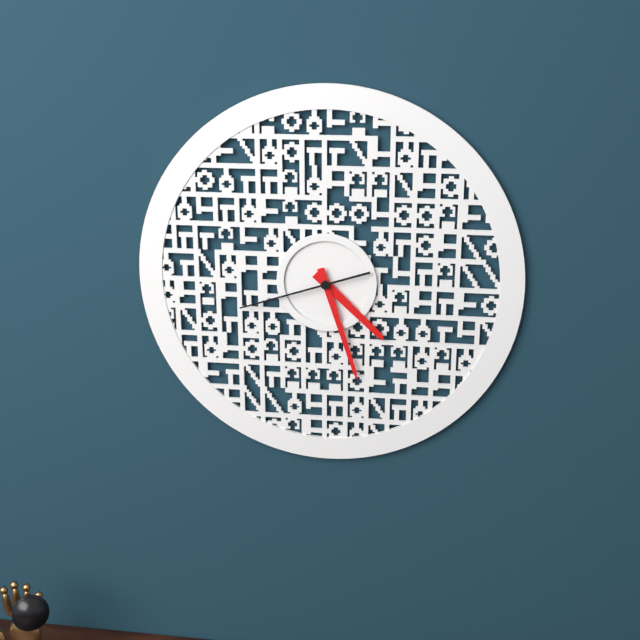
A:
4,27,42
